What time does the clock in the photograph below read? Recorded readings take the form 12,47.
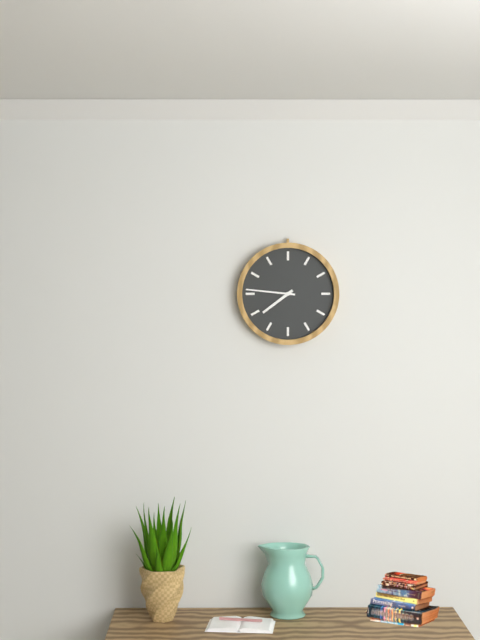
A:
7,46
